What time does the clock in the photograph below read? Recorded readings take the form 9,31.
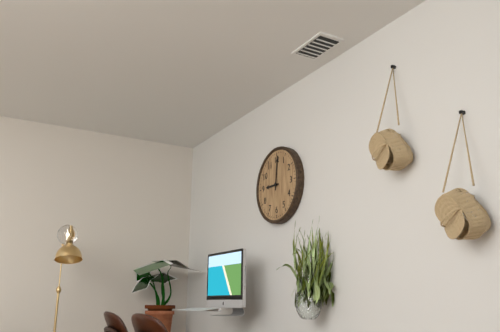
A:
9,01
